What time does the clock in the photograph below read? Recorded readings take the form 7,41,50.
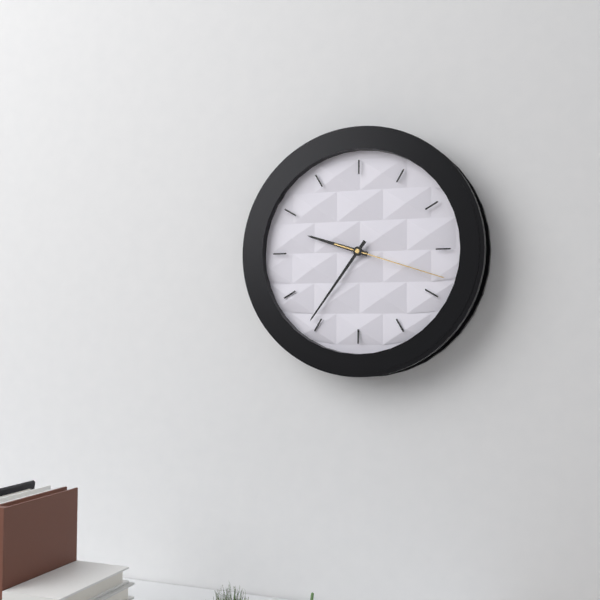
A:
9,36,18
